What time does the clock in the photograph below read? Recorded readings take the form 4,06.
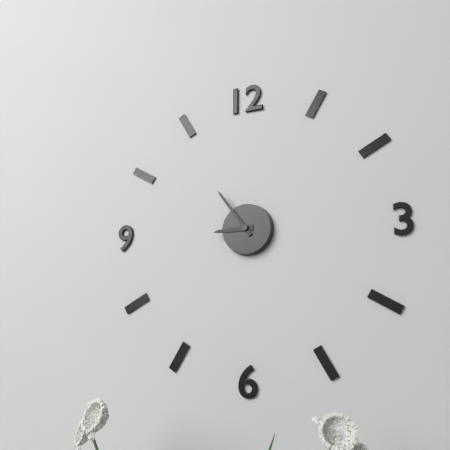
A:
8,54
